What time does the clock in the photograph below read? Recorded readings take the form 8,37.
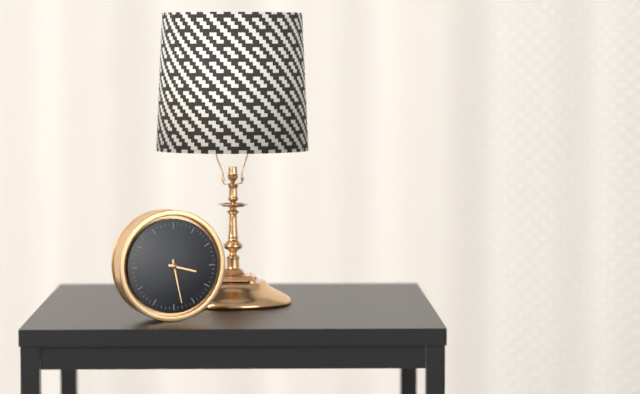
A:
3,28
